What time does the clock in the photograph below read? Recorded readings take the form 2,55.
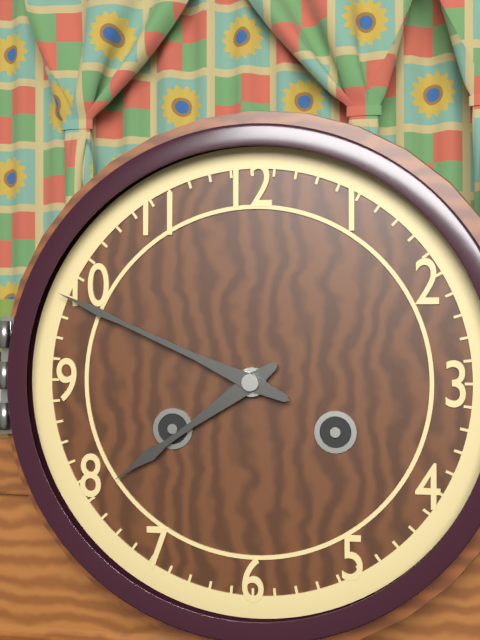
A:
7,49
